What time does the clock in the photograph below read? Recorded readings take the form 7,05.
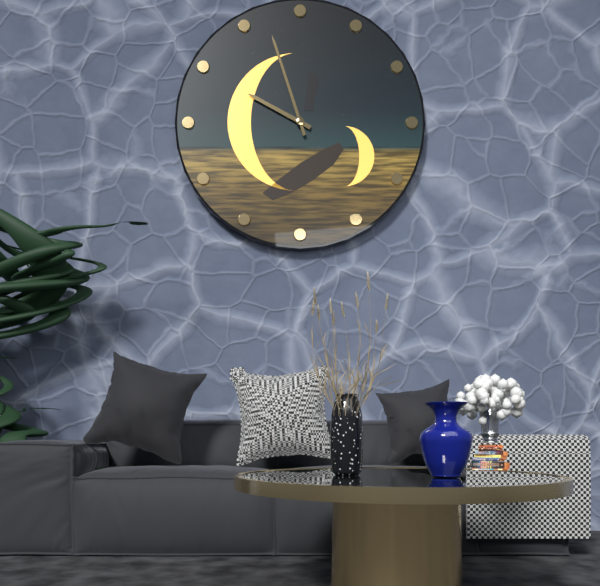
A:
9,57
